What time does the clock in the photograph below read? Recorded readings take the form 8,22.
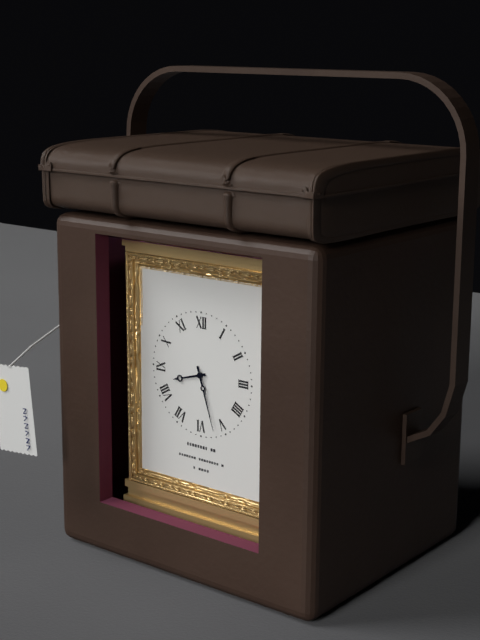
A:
8,27
